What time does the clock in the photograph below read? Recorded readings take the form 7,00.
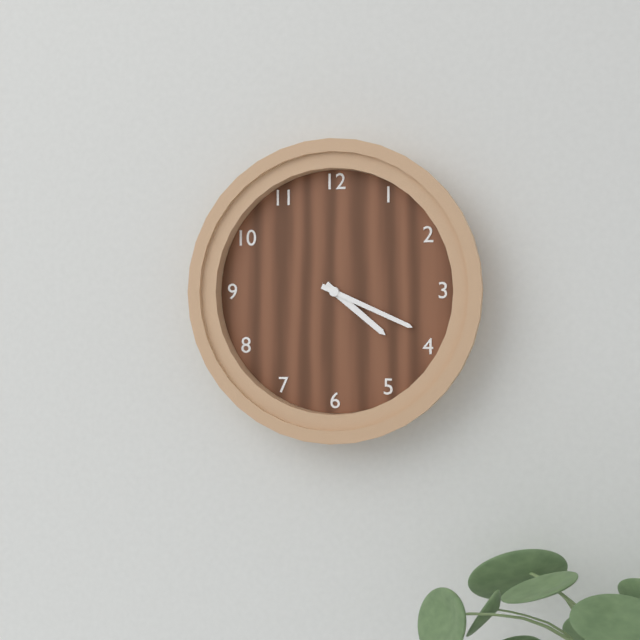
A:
4,19
